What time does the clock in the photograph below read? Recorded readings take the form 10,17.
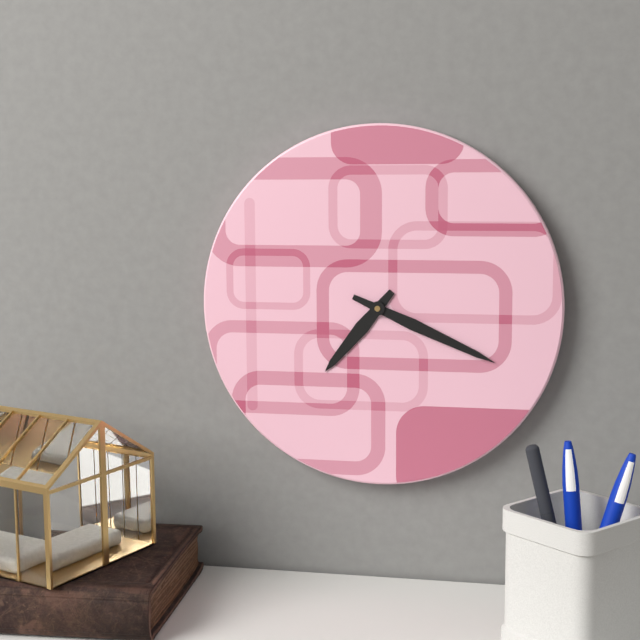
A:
7,19
